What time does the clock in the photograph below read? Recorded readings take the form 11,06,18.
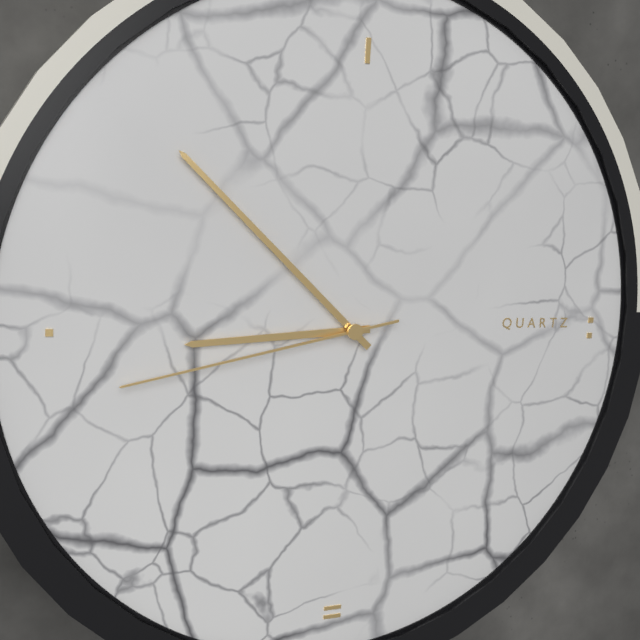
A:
8,52,43
